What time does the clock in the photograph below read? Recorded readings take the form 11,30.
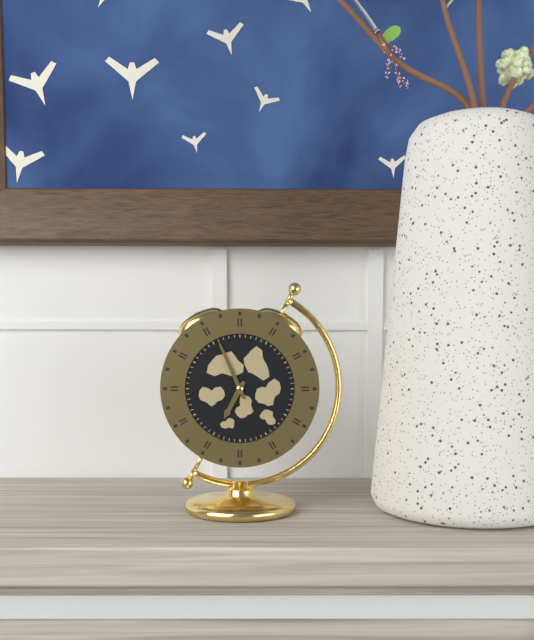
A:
6,56
